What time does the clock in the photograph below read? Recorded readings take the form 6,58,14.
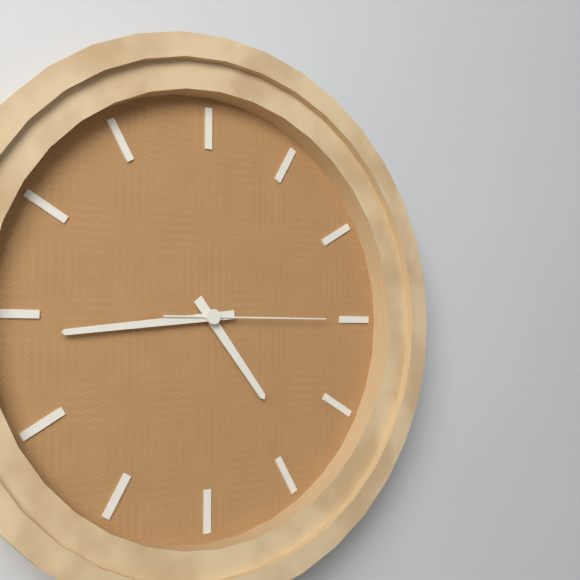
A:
4,44,15
